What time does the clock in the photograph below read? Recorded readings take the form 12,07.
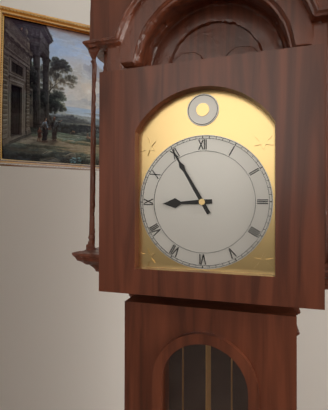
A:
8,55
